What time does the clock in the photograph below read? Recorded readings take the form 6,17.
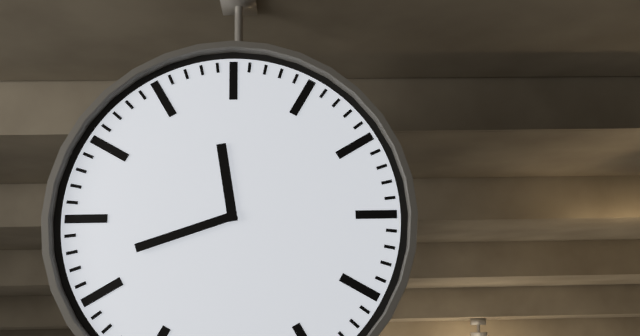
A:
11,42
